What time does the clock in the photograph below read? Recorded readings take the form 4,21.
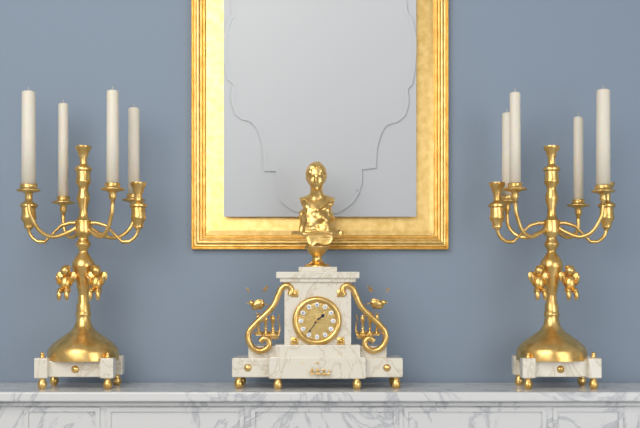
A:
1,36
